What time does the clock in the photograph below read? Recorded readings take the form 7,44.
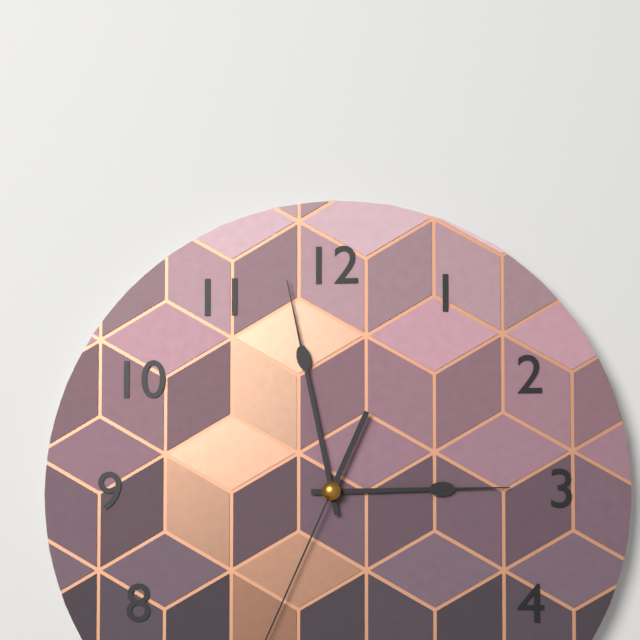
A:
2,58
